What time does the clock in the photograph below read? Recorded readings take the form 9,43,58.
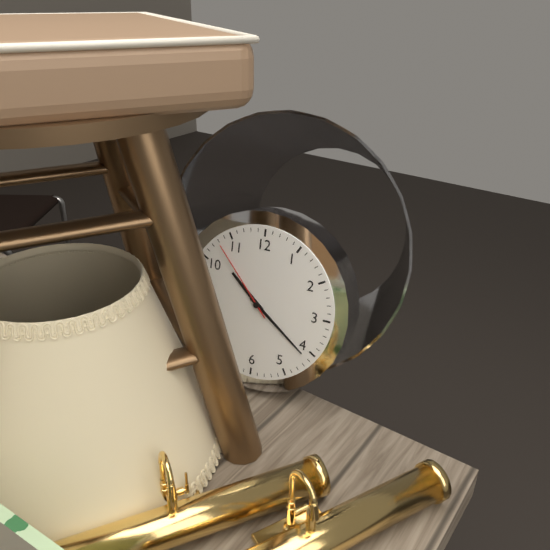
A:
10,21,53
